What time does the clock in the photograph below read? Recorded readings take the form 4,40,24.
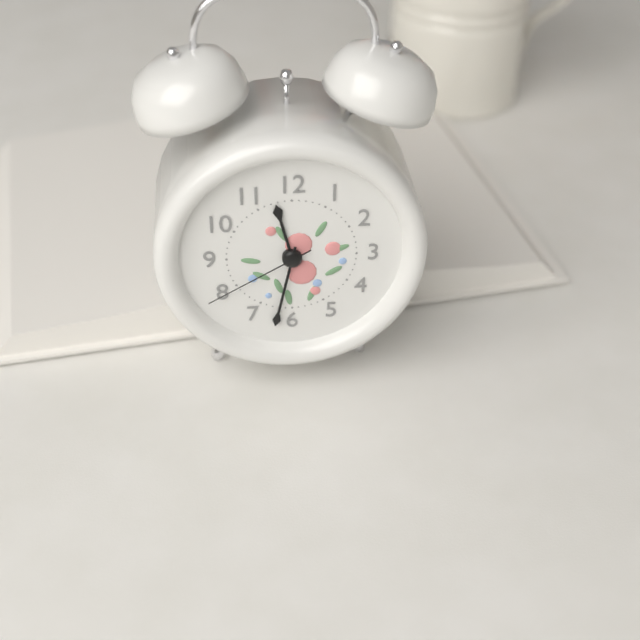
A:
11,32,40
